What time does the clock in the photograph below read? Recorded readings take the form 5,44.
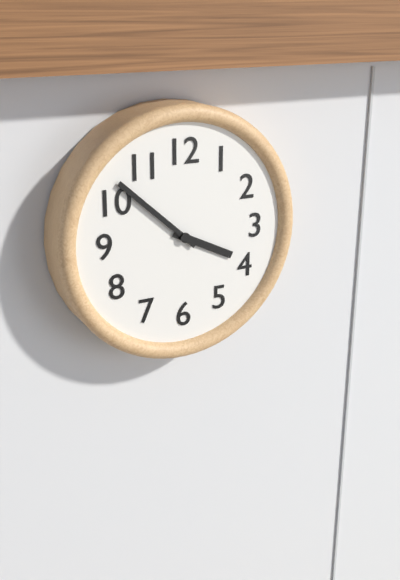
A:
3,52
